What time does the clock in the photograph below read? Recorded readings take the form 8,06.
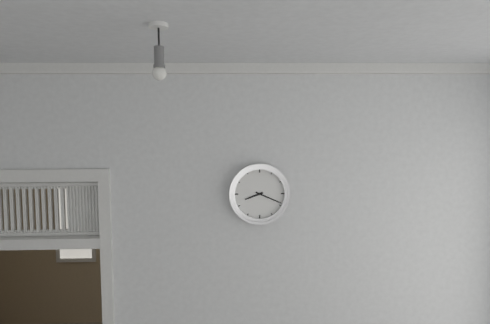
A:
8,19
